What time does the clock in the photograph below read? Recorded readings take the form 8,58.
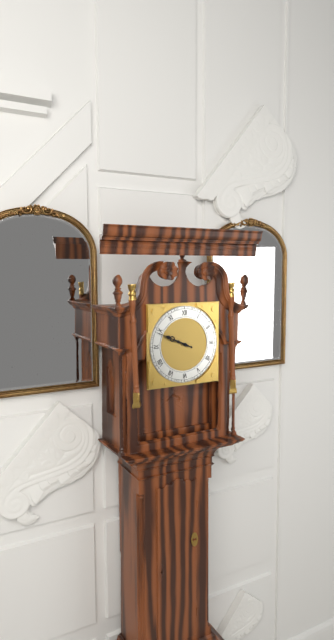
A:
9,49
